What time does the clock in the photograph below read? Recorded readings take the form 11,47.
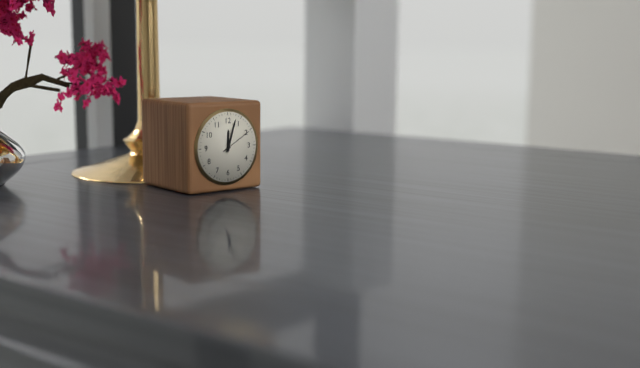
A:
12,03
